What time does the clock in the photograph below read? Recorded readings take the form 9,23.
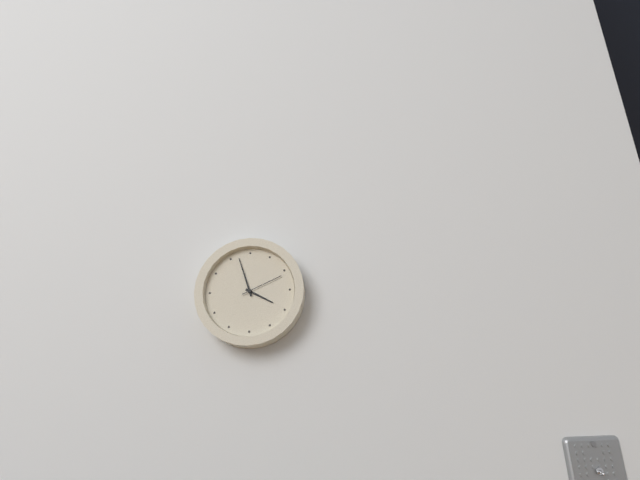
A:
3,57
